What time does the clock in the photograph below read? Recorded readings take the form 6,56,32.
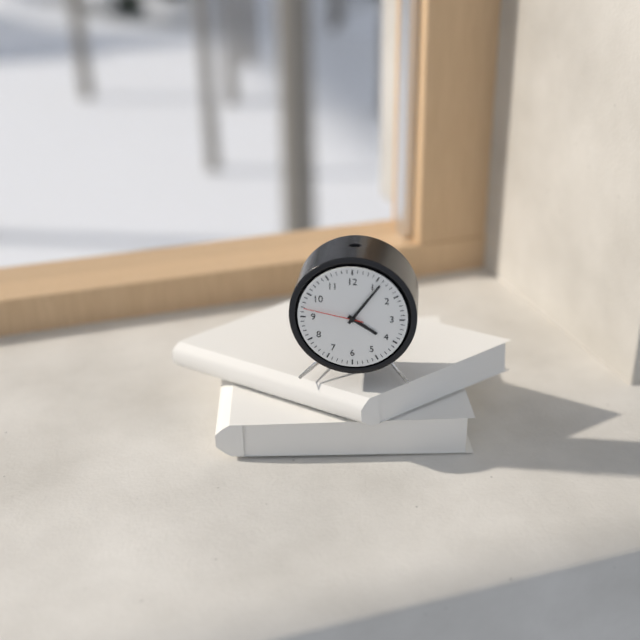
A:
4,06,47
